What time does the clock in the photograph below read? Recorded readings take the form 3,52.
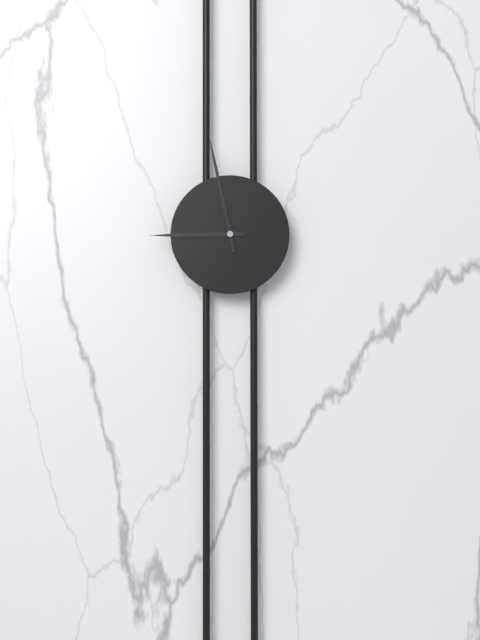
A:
8,58
